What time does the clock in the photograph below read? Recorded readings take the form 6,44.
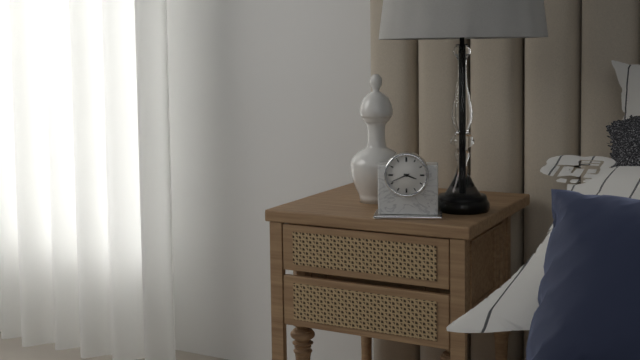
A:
3,41
